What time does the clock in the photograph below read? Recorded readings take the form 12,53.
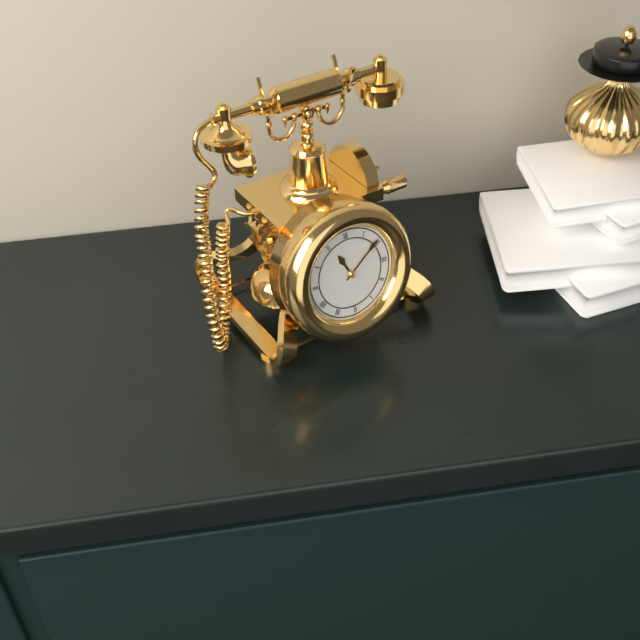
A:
11,09
